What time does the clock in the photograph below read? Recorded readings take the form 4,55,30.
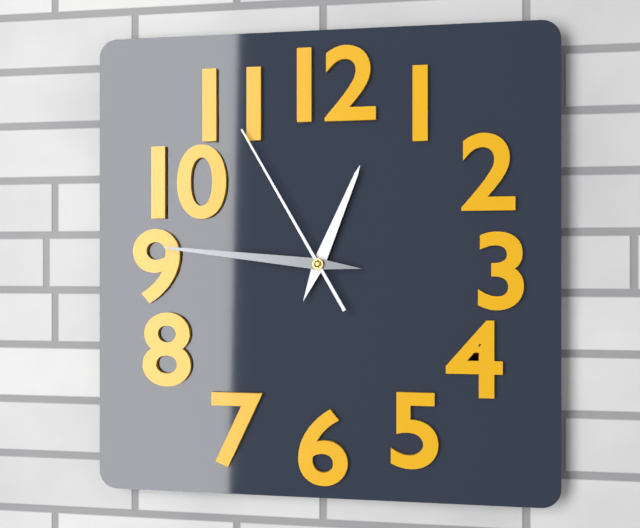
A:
12,46,55
